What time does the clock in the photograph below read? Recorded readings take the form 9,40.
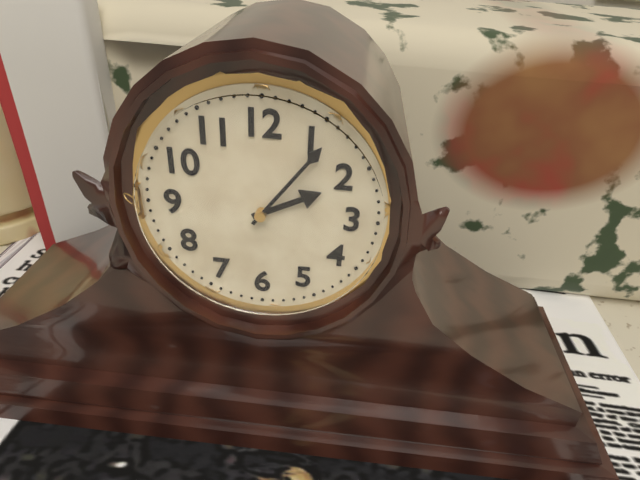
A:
2,06
